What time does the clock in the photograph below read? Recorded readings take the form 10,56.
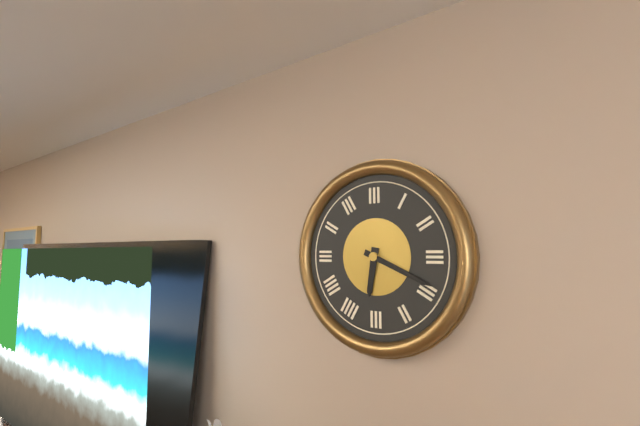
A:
6,19
